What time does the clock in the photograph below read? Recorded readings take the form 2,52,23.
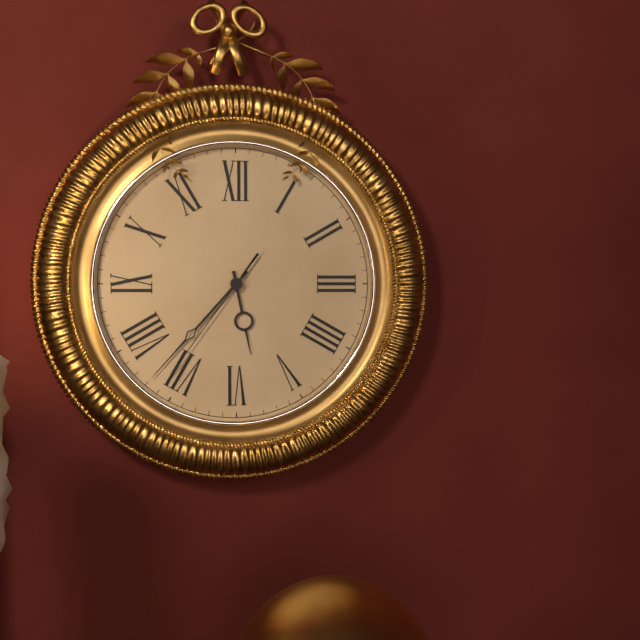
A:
5,37,36
